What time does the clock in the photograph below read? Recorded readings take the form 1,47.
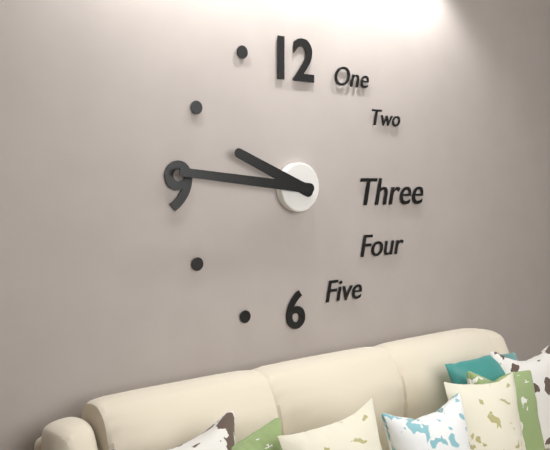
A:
9,46
